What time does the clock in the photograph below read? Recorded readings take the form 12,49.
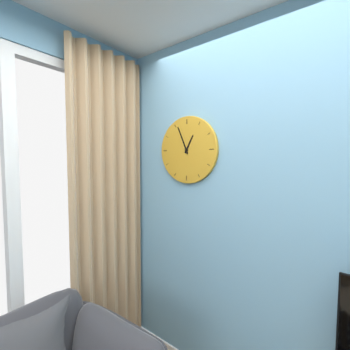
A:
12,56
